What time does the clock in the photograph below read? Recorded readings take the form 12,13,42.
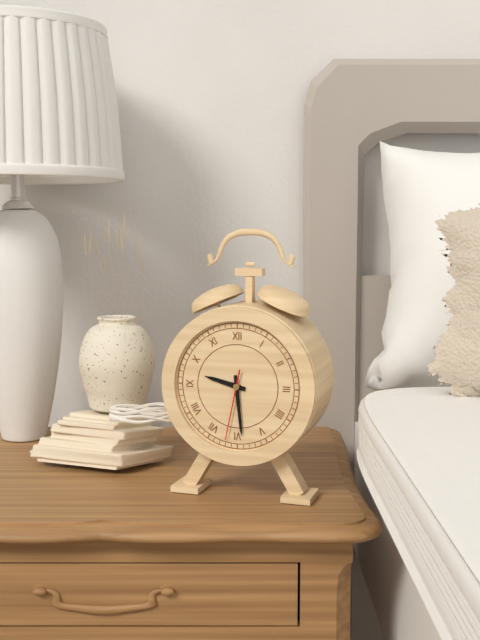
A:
9,29,32
